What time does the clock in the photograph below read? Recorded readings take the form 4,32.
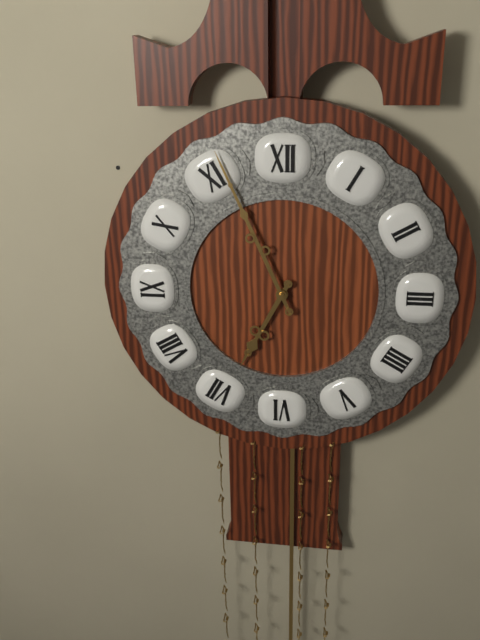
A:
6,56
